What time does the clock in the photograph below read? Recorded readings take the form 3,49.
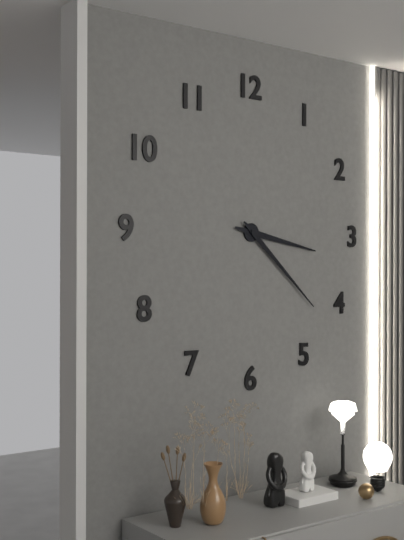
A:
3,22
